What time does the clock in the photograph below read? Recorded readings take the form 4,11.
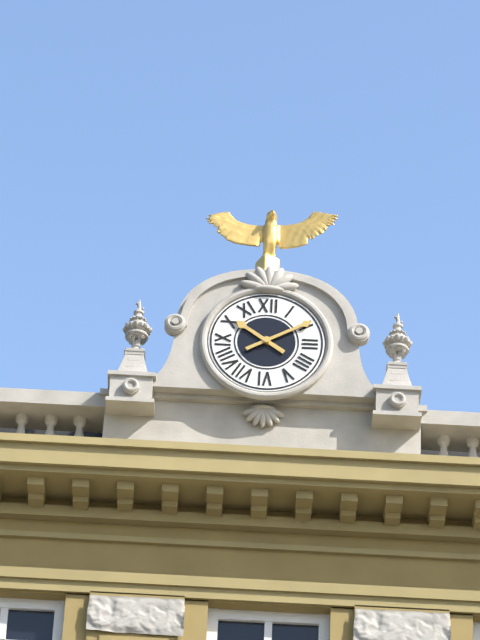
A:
10,10
